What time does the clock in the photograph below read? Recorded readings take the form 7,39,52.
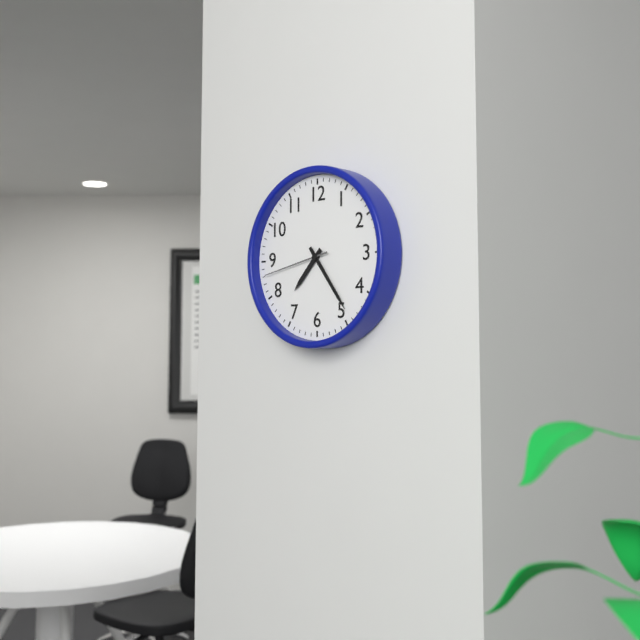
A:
7,24,43
